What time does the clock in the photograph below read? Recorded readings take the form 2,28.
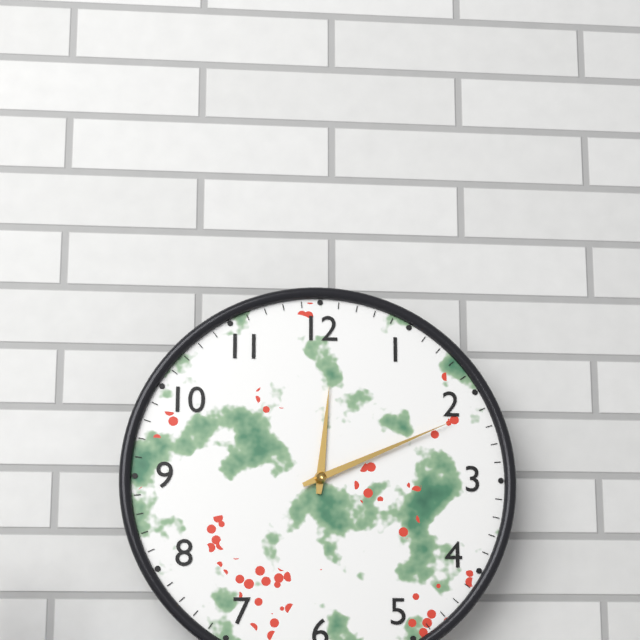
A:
12,11
